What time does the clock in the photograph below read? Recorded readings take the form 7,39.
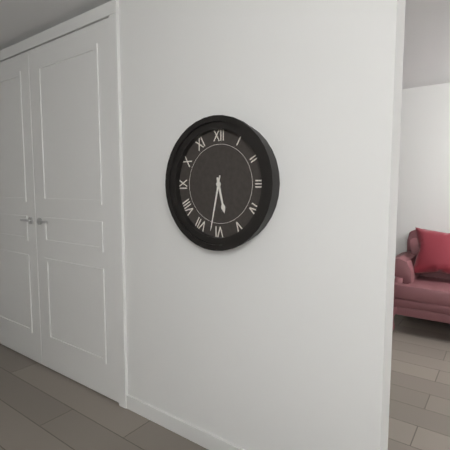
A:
5,32
